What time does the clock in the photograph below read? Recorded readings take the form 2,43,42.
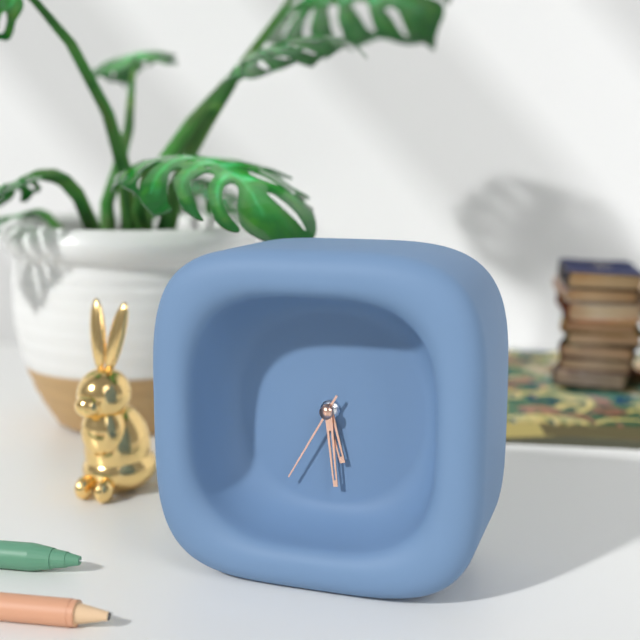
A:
5,29,35
